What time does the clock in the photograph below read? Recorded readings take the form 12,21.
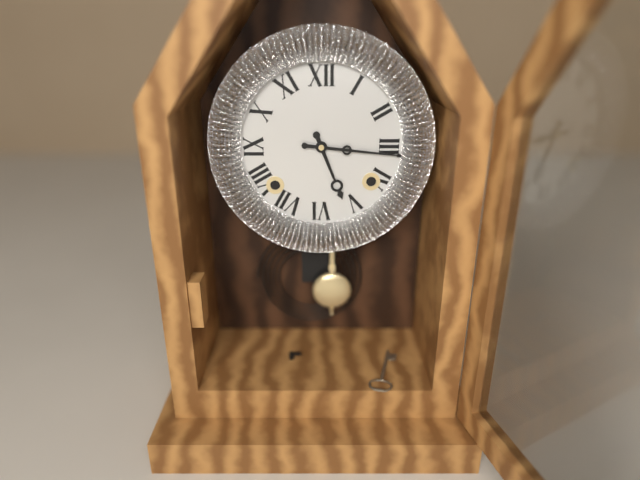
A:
5,16
